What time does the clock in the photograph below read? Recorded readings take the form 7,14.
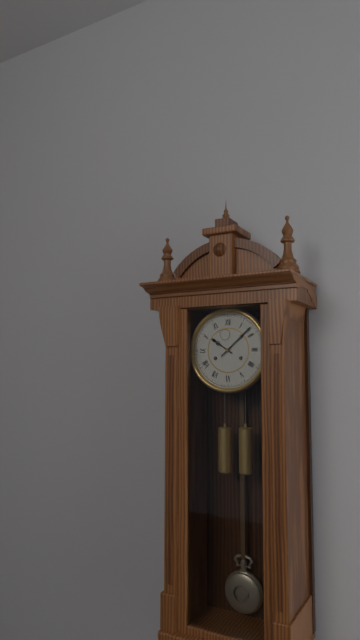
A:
10,08
